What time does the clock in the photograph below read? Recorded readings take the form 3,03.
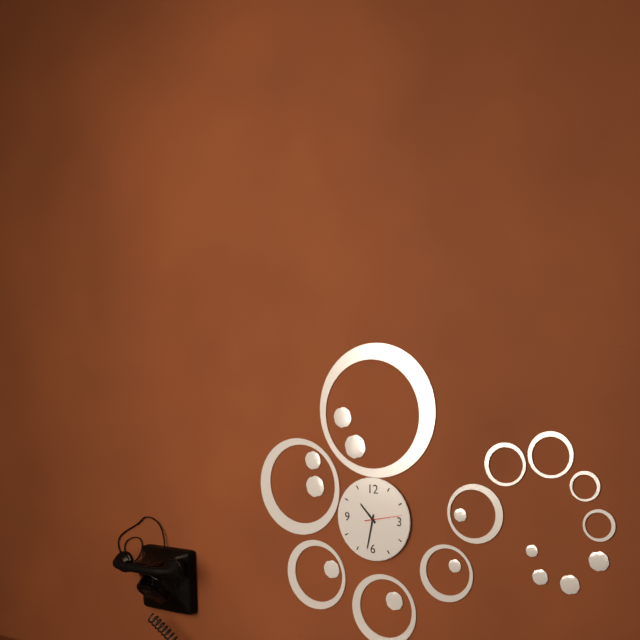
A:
10,32
